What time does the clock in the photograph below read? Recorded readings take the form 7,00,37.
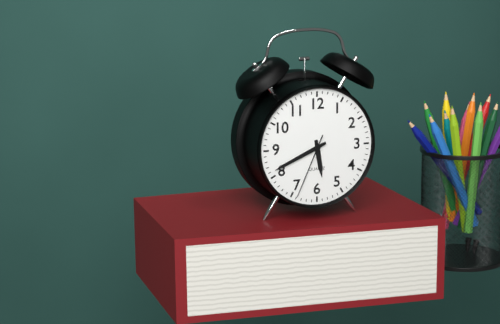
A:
5,41,34
